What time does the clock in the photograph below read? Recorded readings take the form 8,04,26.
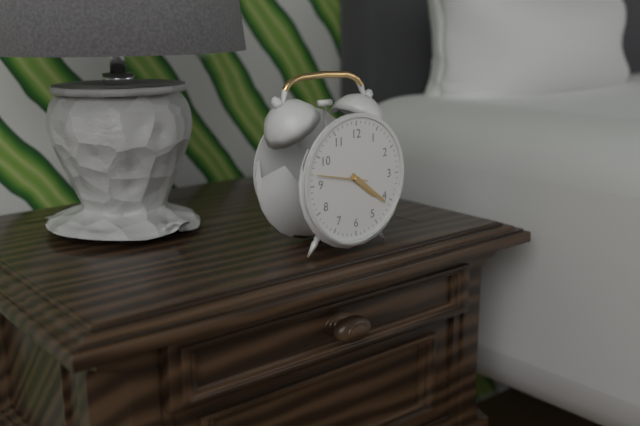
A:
4,21,47
